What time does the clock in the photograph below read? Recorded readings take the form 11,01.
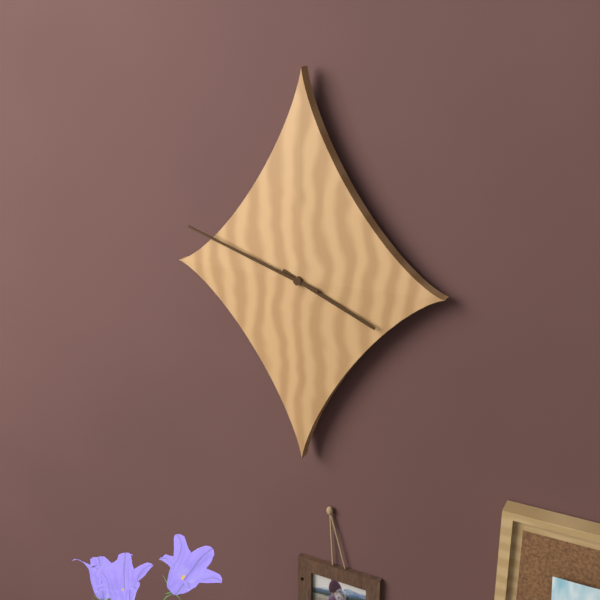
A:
3,48
